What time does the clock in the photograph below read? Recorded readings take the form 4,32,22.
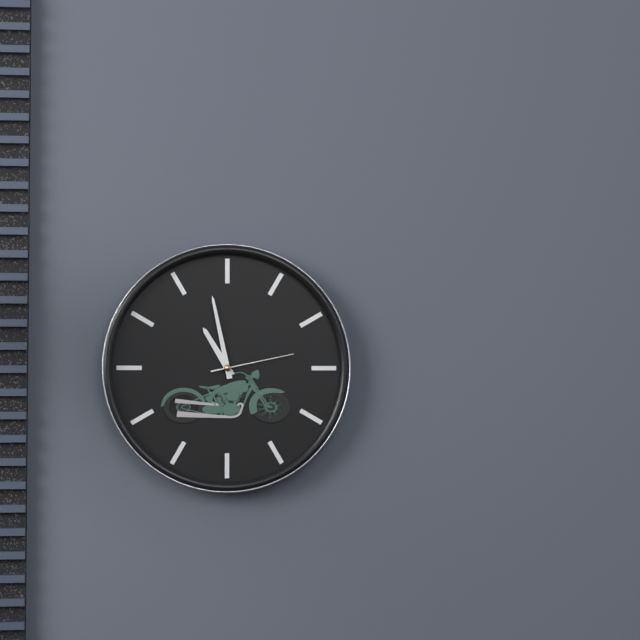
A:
10,58,13
